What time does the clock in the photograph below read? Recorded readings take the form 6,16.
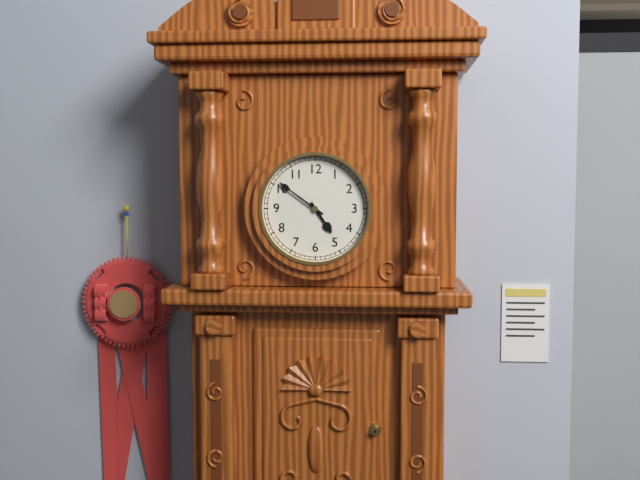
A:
4,51
